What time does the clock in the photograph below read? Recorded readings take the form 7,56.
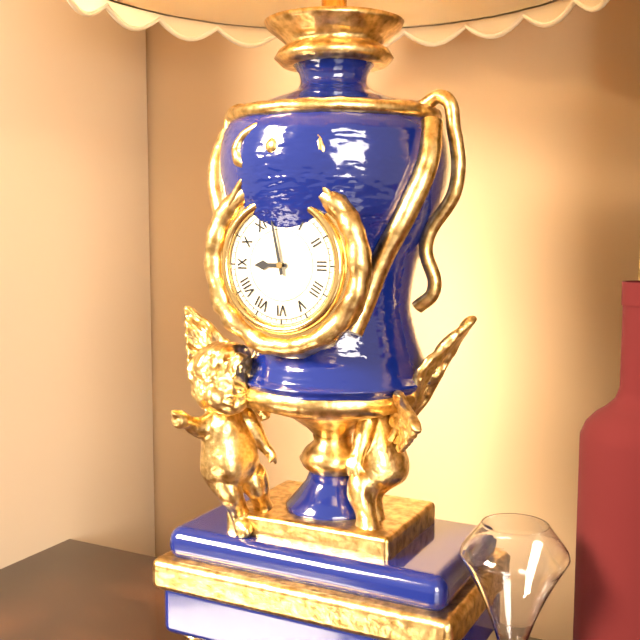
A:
8,58
